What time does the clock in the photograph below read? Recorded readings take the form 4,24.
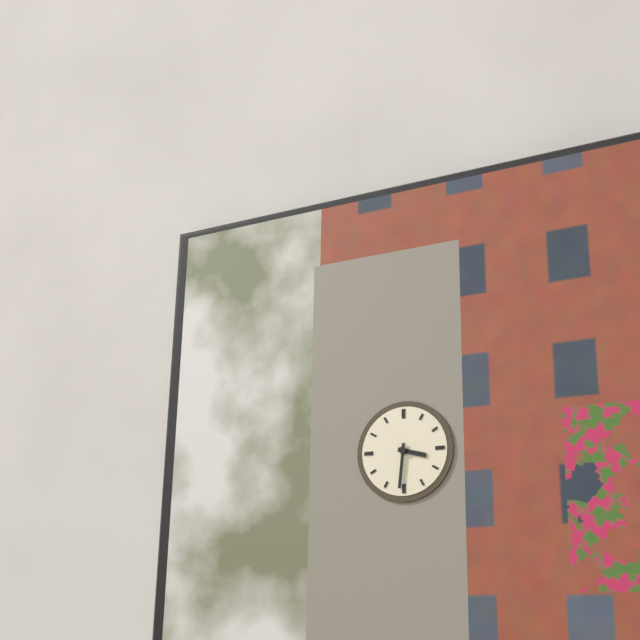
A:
3,31
